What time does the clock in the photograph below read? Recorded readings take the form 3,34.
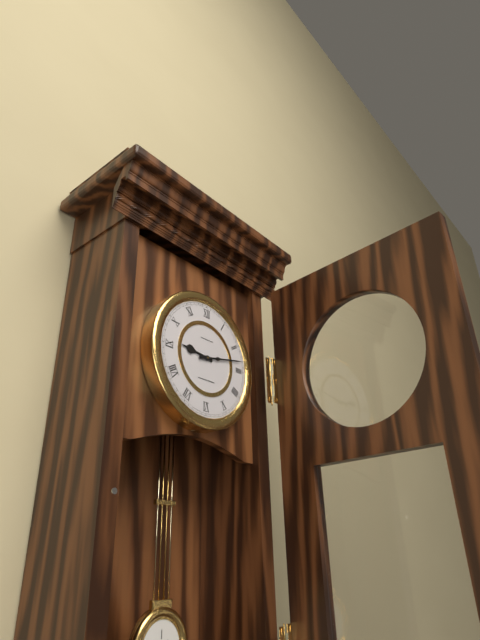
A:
9,13
